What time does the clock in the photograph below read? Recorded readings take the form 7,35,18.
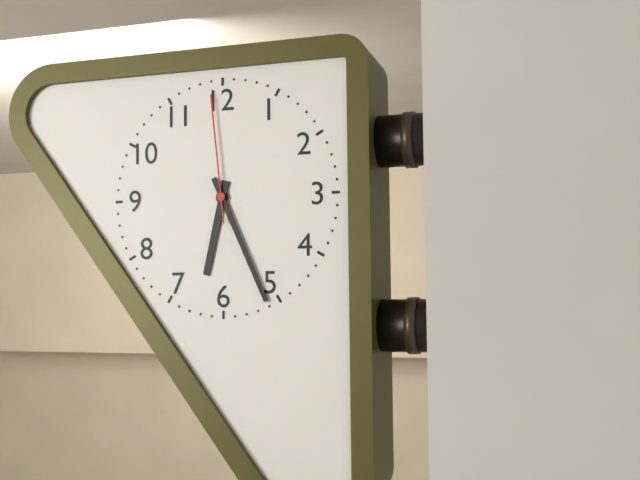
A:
6,26,59
